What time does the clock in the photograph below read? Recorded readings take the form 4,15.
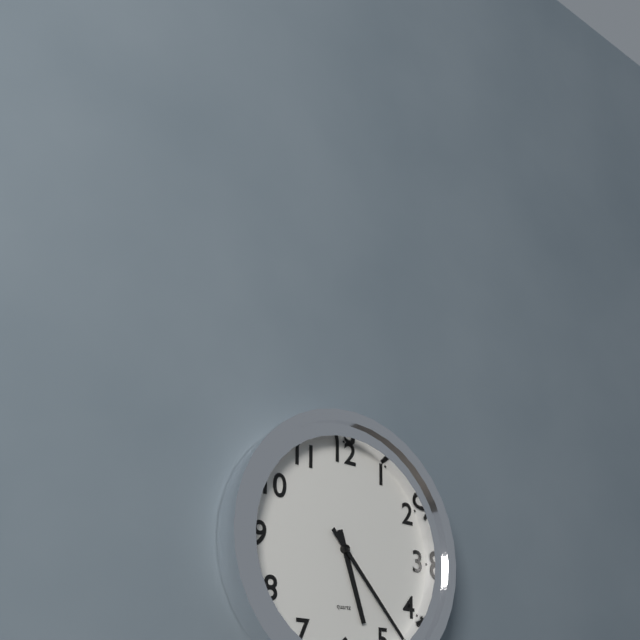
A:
5,23
